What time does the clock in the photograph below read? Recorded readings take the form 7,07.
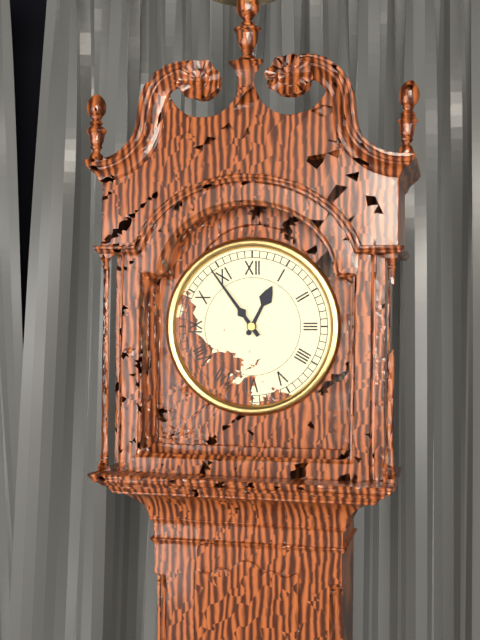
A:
12,54
